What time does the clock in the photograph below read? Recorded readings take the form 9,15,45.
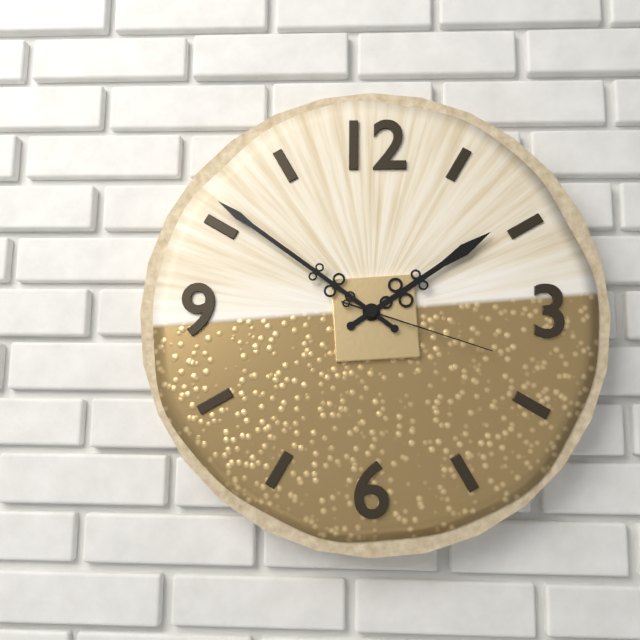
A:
1,51,18
